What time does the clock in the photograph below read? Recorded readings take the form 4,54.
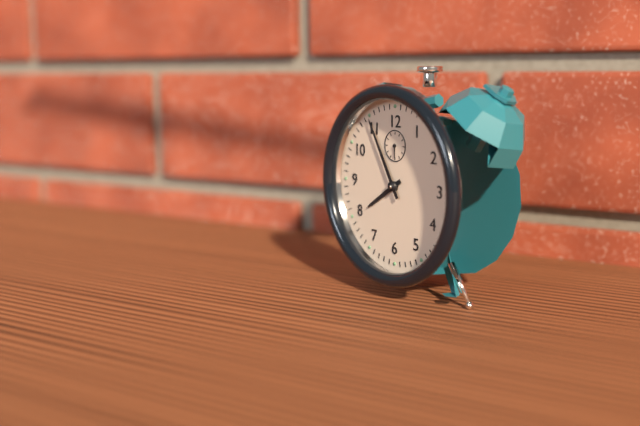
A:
7,55
